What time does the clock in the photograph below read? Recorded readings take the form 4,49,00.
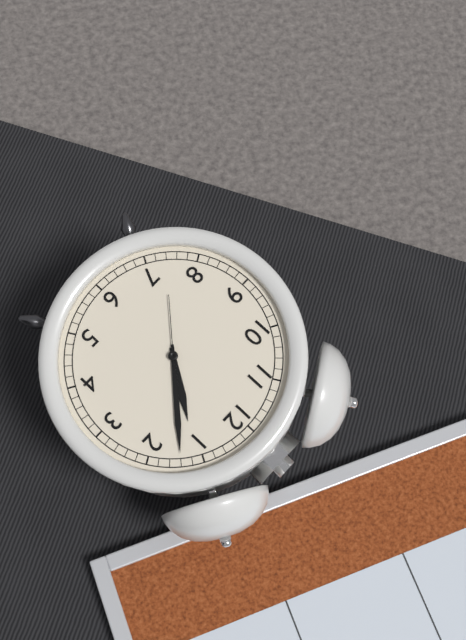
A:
1,07,37
